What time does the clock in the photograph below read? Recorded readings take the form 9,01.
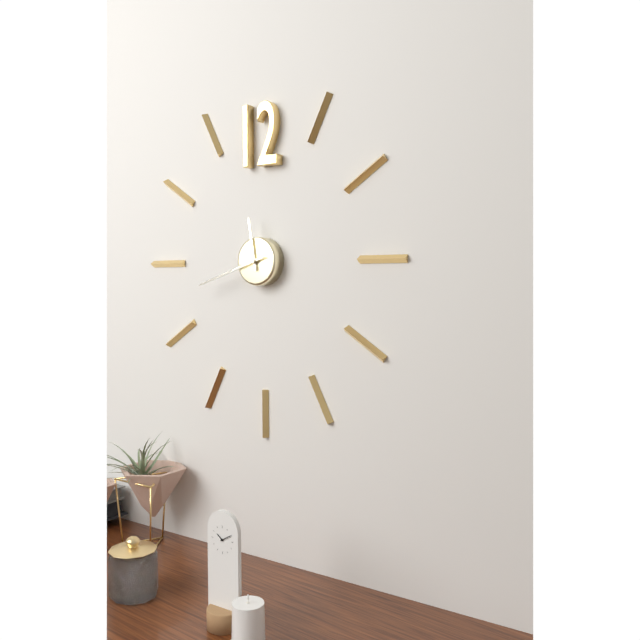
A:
11,42
